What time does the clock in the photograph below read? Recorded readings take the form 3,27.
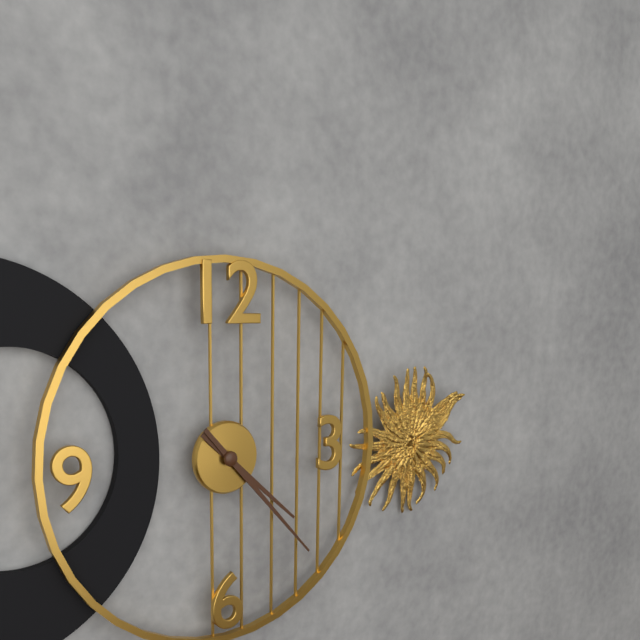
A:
4,23
